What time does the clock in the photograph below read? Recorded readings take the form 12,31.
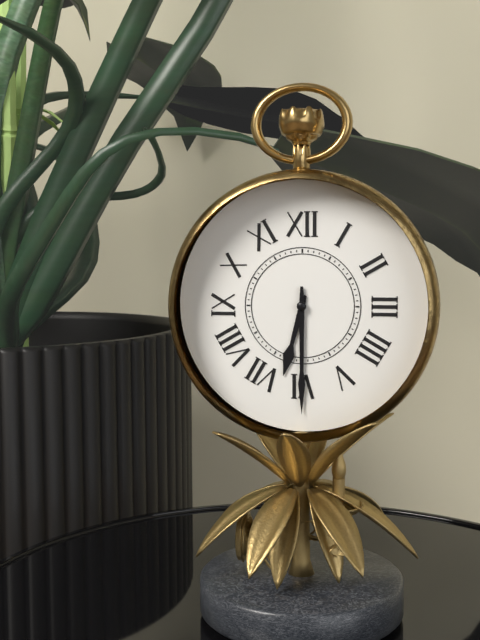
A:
6,30
